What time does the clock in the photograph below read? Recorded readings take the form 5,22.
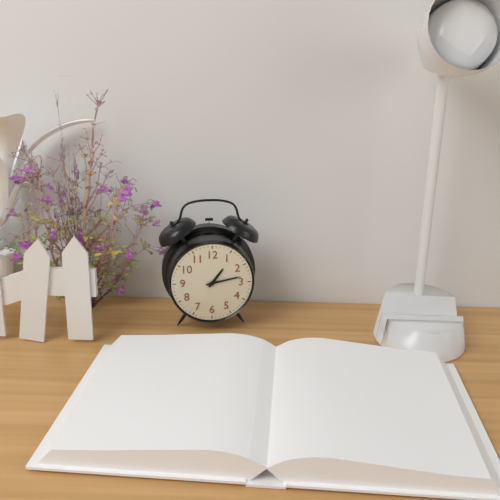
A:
1,13
